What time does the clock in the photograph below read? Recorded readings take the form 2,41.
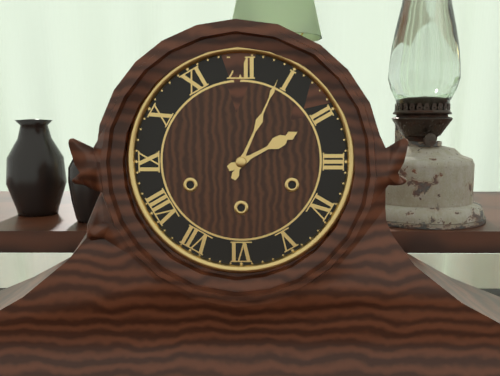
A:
2,04
